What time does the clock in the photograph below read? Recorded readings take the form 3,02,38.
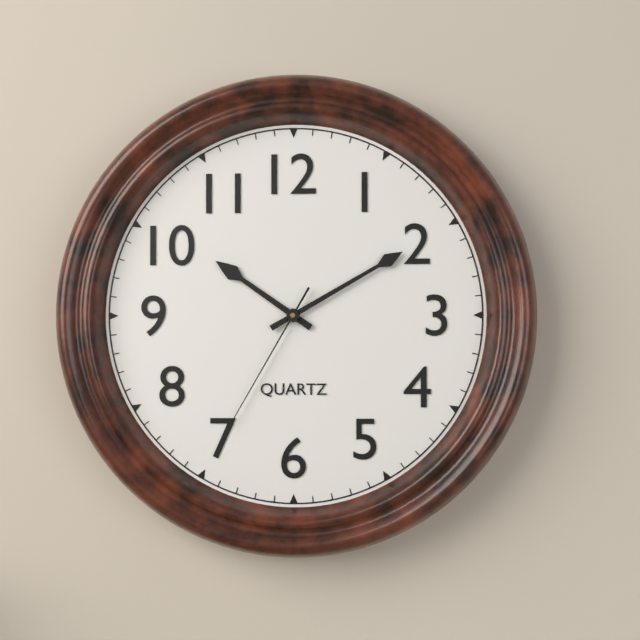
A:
10,10,35
